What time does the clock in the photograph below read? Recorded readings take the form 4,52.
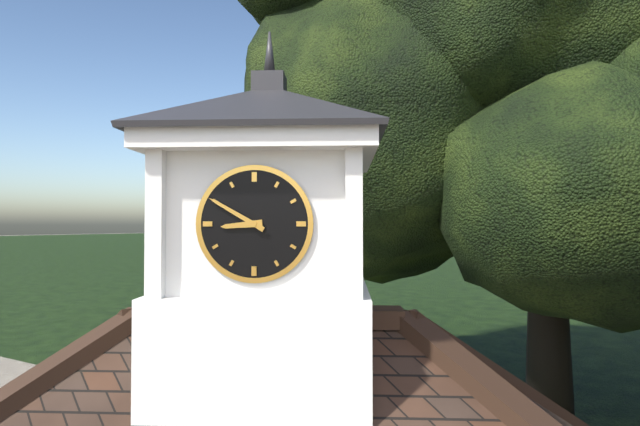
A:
8,50
